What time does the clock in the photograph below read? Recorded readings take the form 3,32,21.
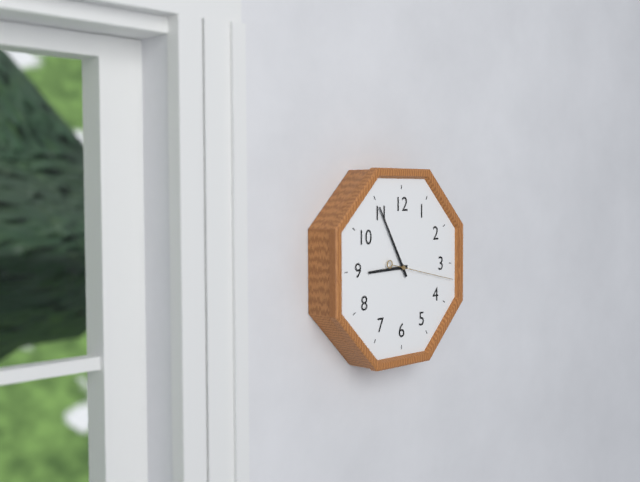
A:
8,55,17
